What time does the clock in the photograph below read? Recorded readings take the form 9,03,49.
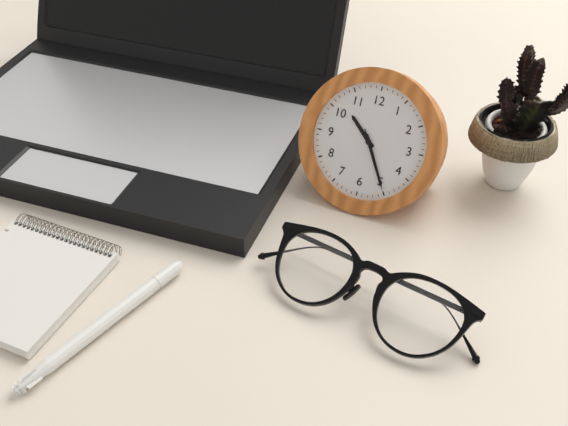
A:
10,25,25
